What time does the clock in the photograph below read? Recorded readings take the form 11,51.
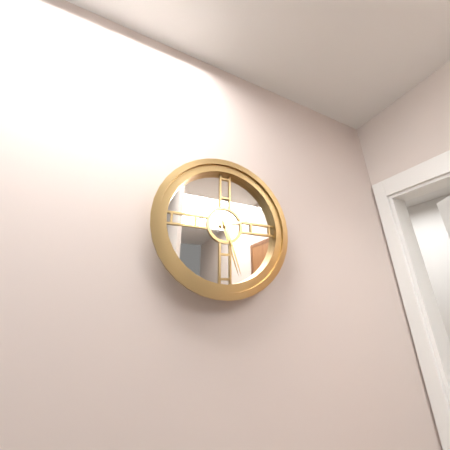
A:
2,27
